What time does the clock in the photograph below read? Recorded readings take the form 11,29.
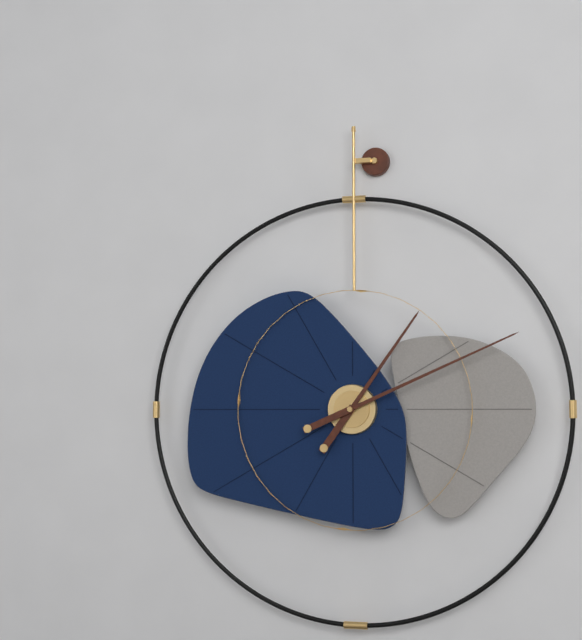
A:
1,11
